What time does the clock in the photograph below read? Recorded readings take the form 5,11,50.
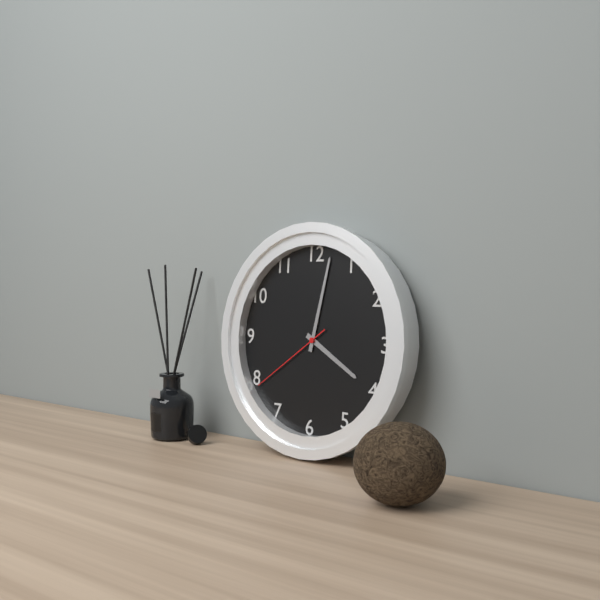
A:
4,02,39
